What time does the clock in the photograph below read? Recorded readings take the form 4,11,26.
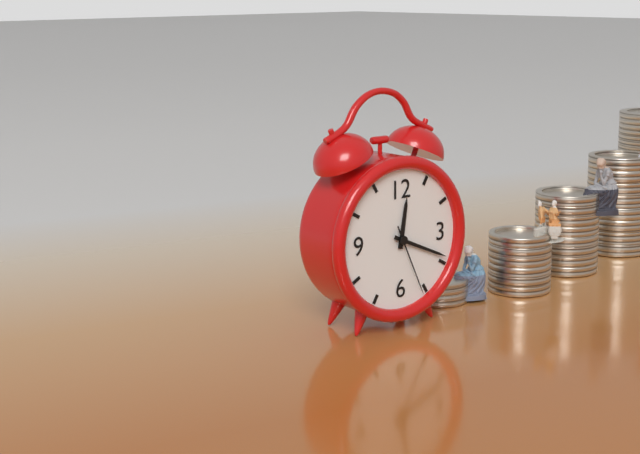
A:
12,19,26
